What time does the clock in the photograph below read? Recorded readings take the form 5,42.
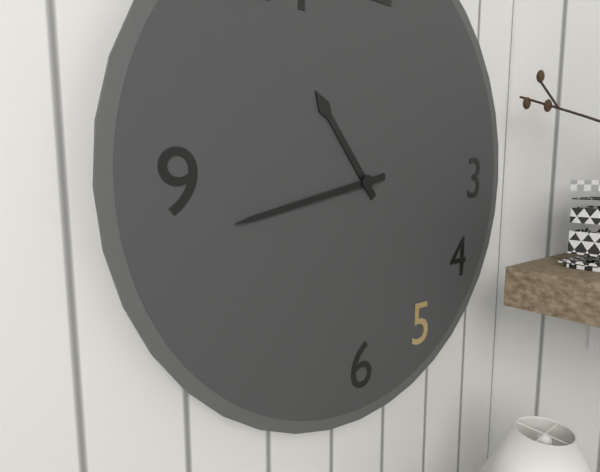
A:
10,43
